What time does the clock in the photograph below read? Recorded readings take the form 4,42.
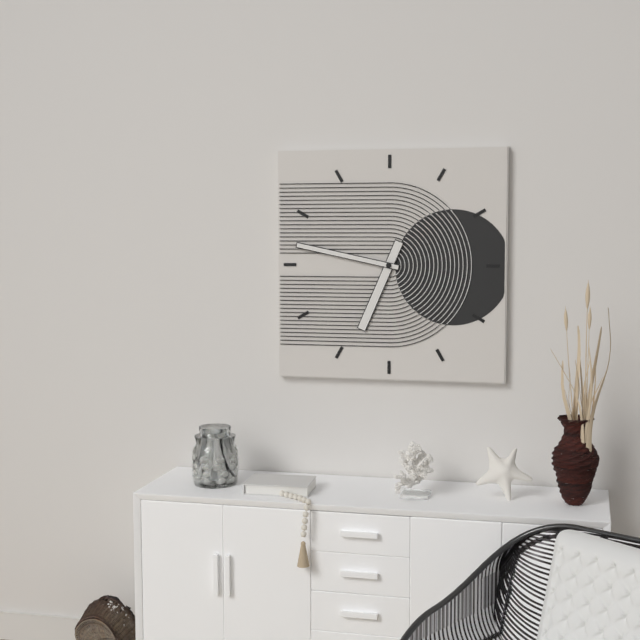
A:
6,47
